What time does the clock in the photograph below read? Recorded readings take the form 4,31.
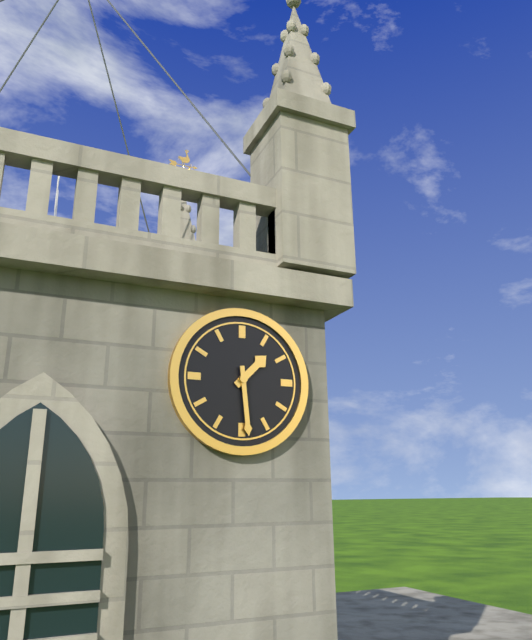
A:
1,29
